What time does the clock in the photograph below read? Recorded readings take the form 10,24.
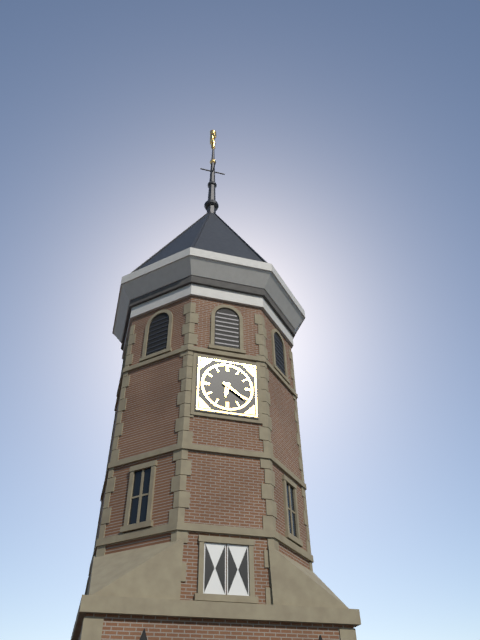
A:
6,21
